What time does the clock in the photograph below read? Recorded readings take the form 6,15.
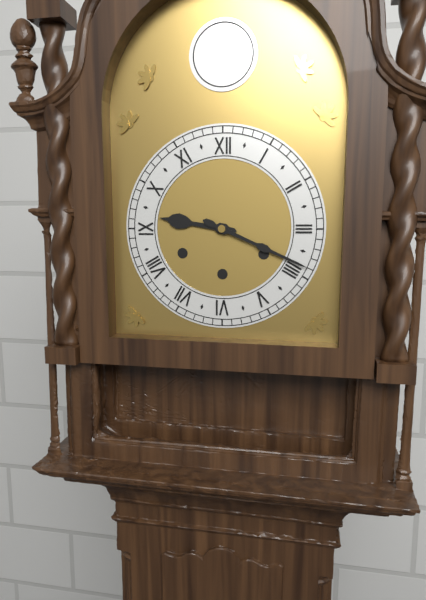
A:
9,19
